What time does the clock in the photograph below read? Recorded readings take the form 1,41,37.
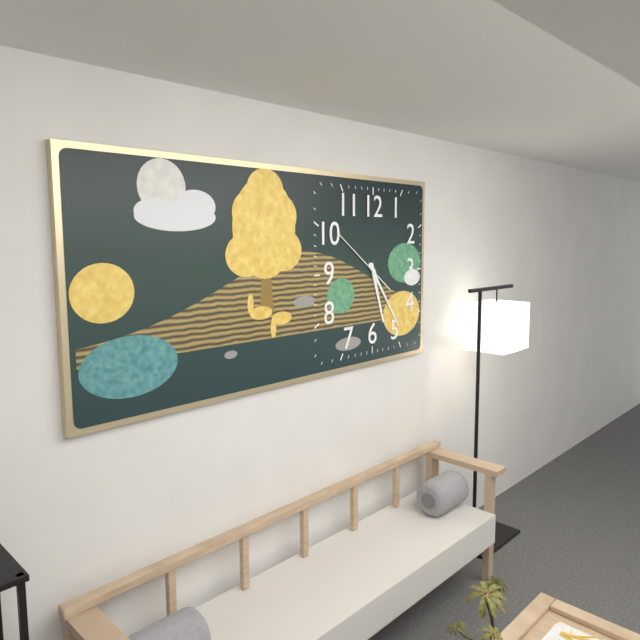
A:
5,24,51
